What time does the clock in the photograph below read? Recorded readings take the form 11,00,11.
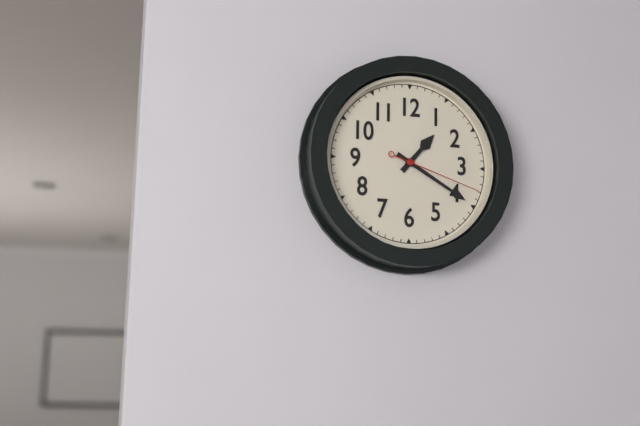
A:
1,20,18
